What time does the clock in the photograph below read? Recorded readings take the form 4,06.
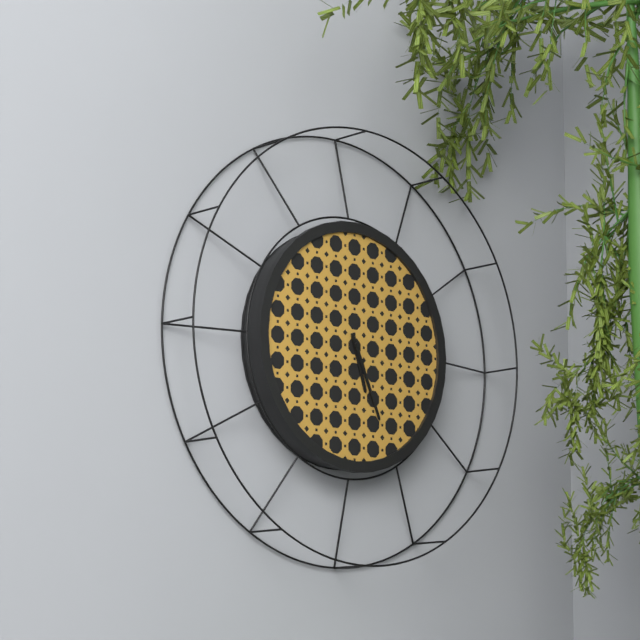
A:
5,26
